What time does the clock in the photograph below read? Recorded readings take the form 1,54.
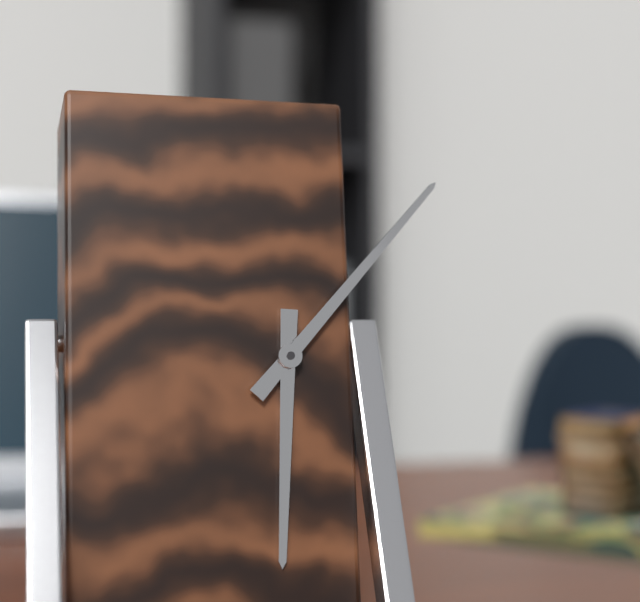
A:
6,07
